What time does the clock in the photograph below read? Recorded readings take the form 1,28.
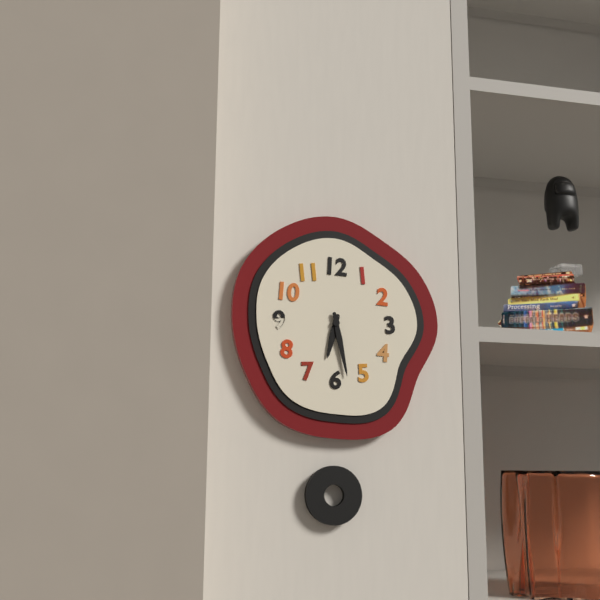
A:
6,28
